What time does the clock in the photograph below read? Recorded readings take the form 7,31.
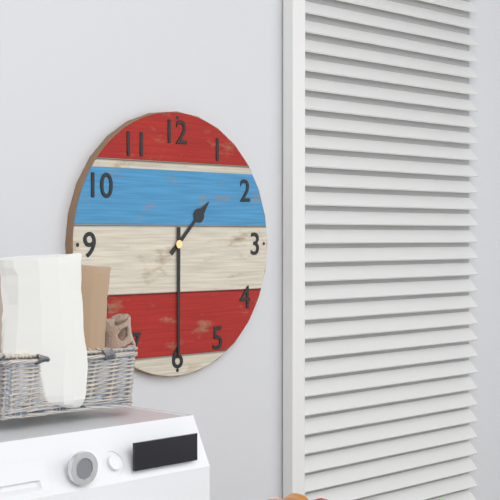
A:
1,30
